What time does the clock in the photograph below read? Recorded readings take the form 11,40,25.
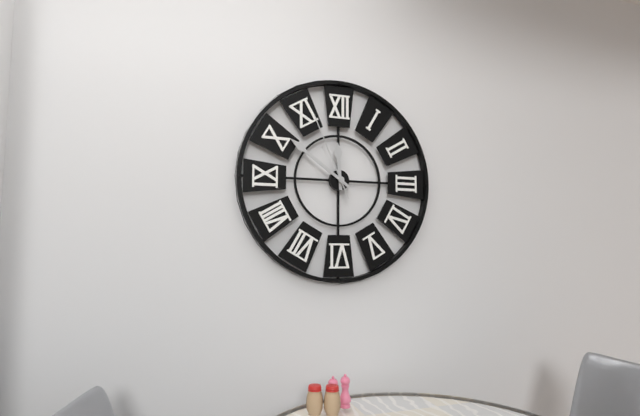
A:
11,51,56
